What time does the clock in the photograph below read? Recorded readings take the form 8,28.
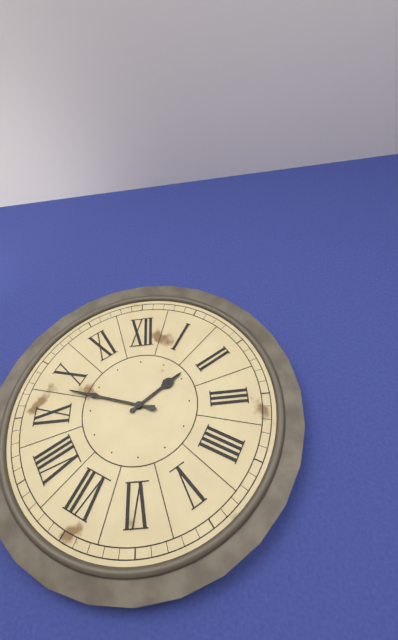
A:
1,48
